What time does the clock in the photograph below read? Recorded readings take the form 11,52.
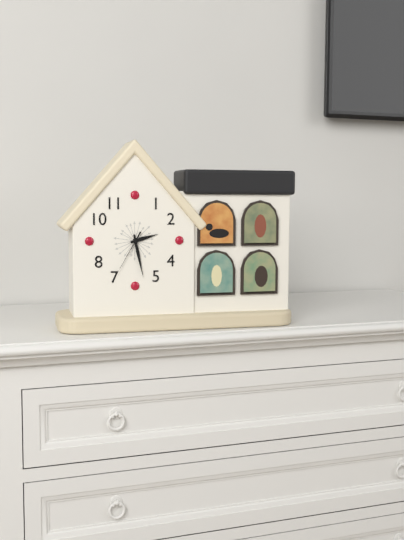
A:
2,28
